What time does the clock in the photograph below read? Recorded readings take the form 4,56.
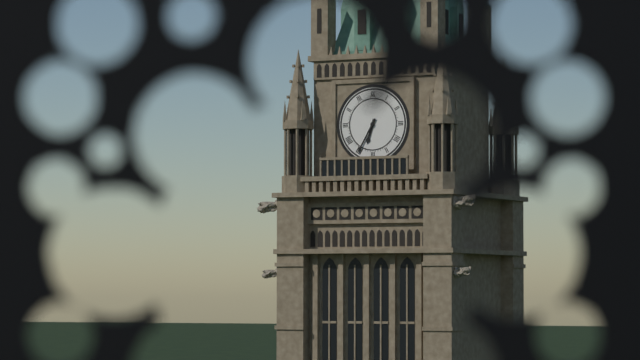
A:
6,35
